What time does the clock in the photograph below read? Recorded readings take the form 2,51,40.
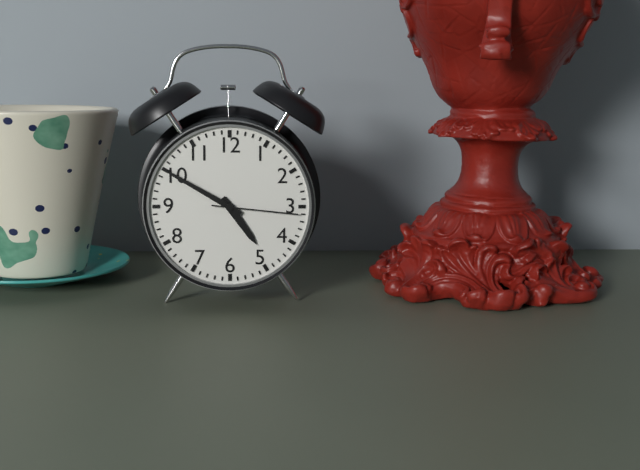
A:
4,50,16
